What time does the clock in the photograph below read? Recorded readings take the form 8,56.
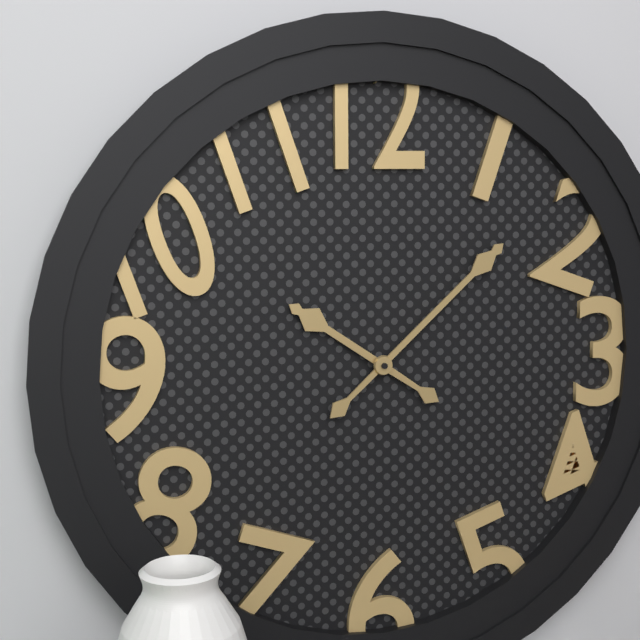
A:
10,08
